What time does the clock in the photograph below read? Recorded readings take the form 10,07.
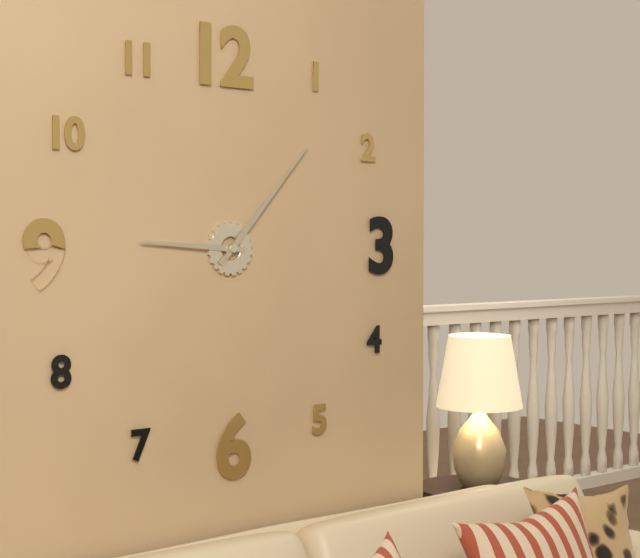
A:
9,07
